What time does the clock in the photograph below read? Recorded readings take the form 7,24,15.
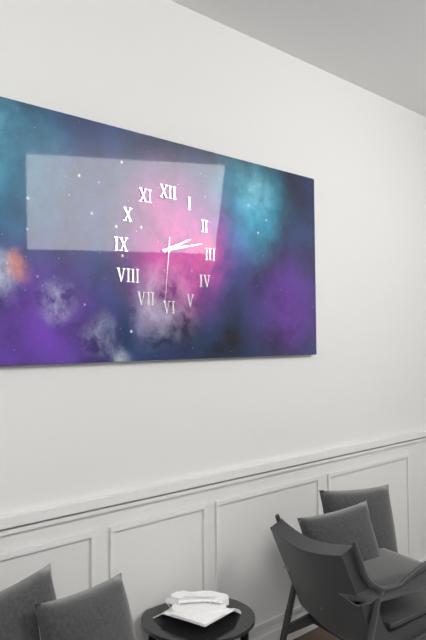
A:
2,13,31
